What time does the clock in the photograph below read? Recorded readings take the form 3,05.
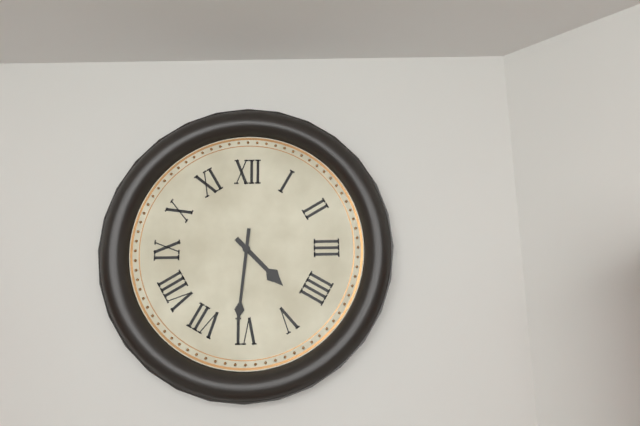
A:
4,31
